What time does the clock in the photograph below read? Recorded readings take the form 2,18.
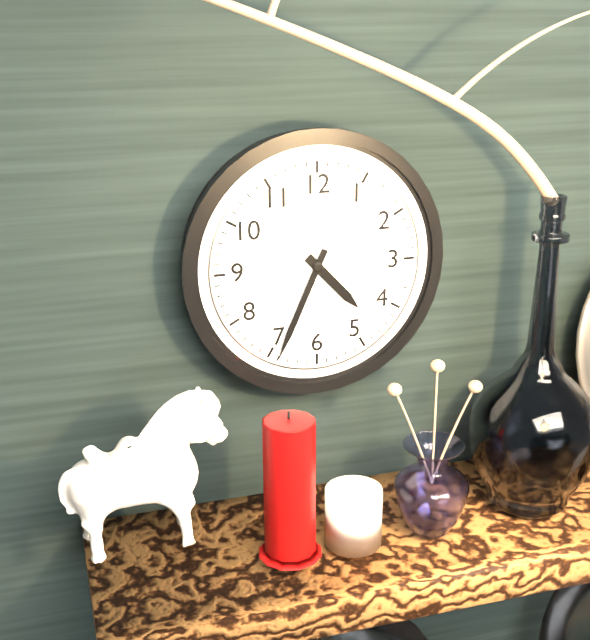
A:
4,34
